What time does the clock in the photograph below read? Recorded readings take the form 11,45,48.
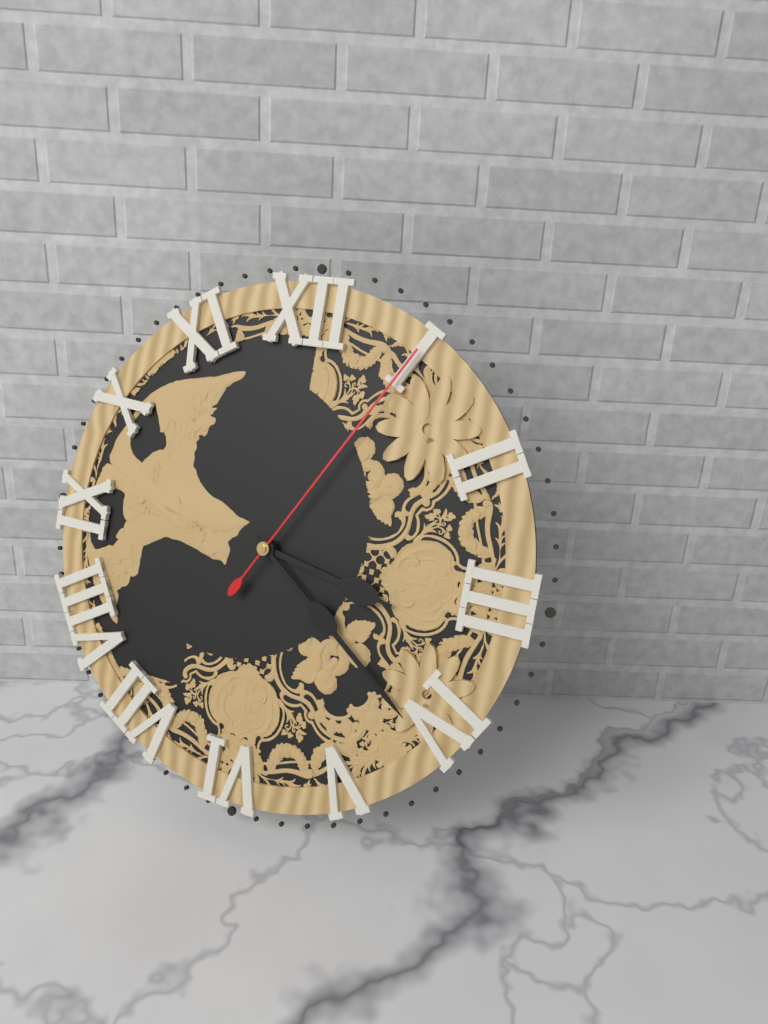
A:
3,21,05
